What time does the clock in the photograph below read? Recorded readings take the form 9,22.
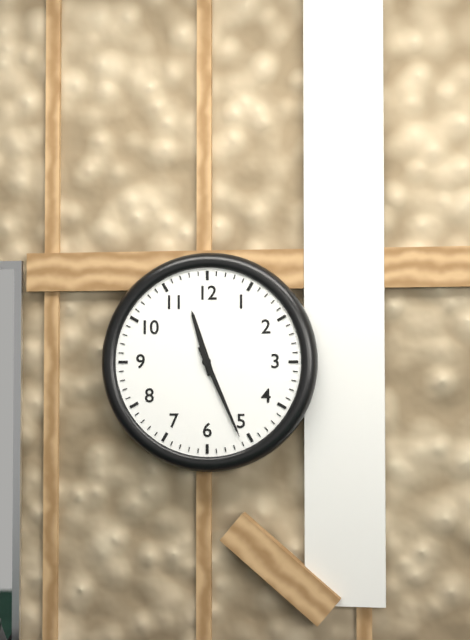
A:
11,26
